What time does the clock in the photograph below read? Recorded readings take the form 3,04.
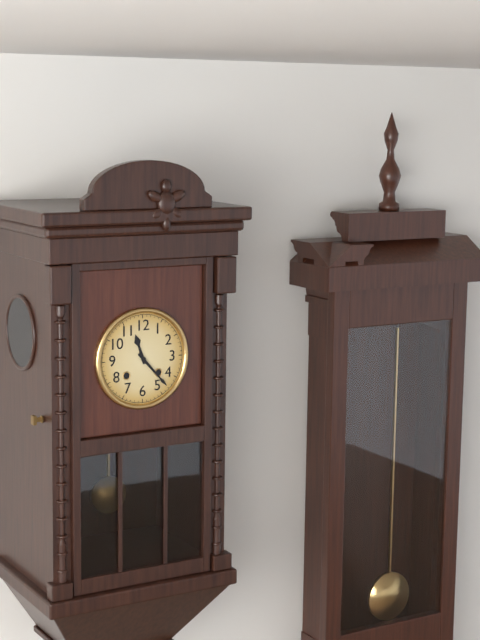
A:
11,23
